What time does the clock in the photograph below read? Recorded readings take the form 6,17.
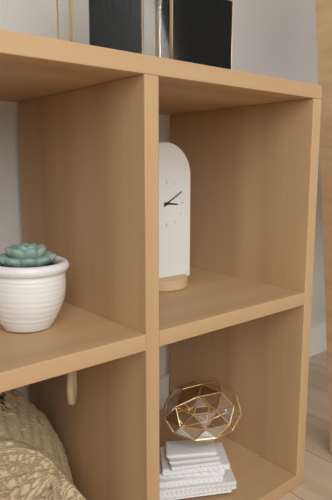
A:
3,10
